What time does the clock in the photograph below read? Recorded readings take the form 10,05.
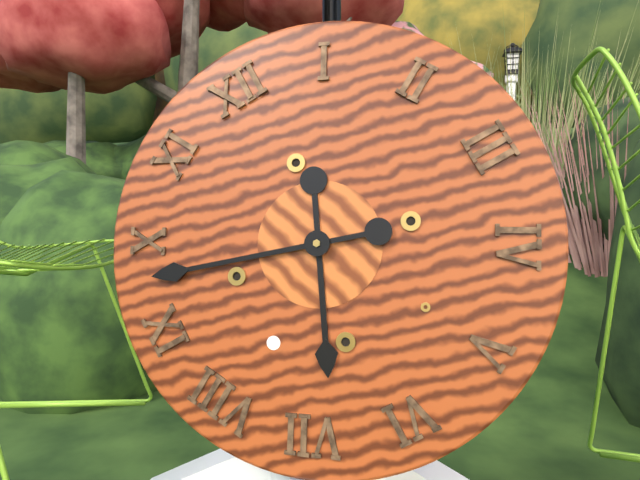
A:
6,48
